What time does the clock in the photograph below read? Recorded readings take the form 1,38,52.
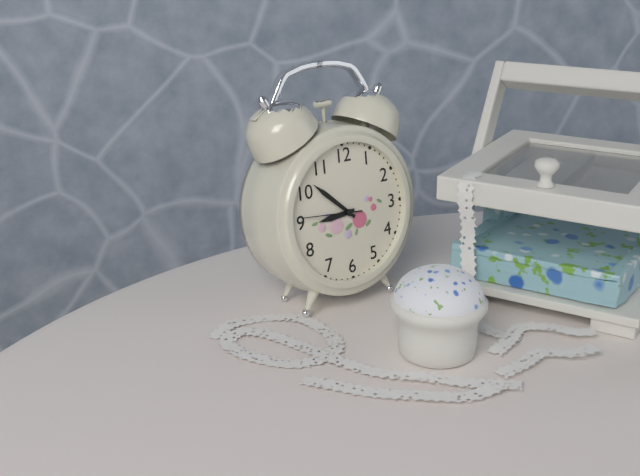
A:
8,52,46
